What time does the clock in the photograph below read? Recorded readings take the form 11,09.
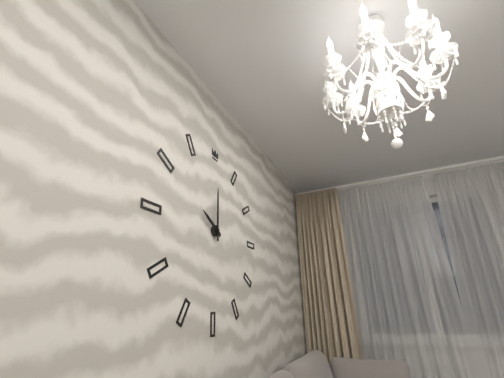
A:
10,00
